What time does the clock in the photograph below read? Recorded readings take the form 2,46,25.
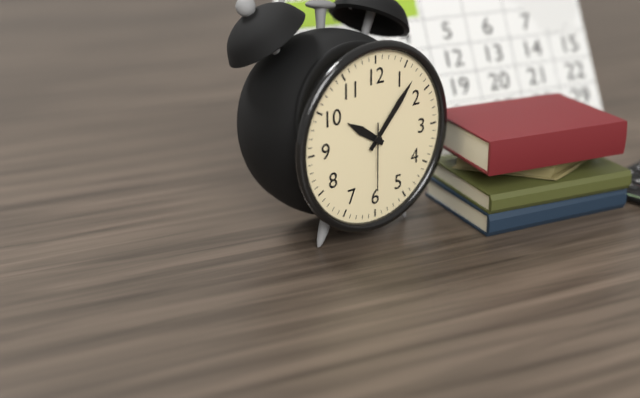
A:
10,07,30
